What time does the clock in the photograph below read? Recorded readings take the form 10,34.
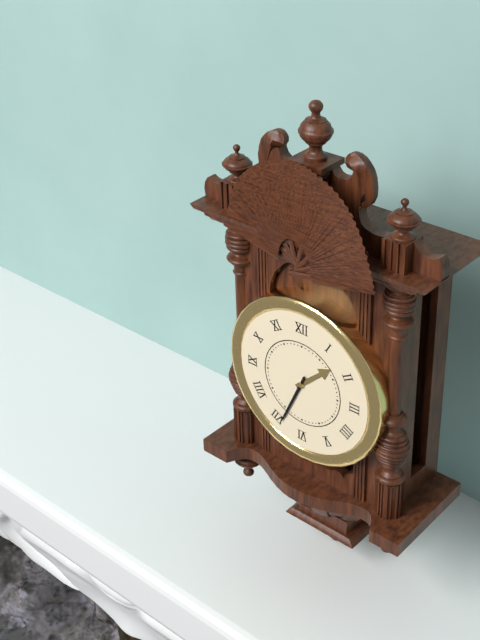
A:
1,34
